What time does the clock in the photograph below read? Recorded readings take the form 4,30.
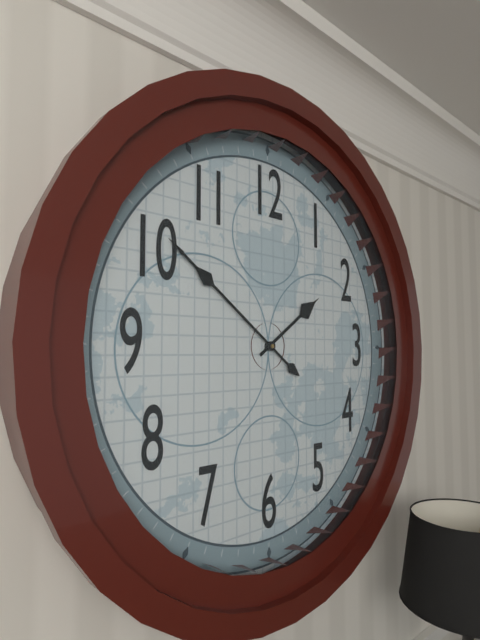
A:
1,51
